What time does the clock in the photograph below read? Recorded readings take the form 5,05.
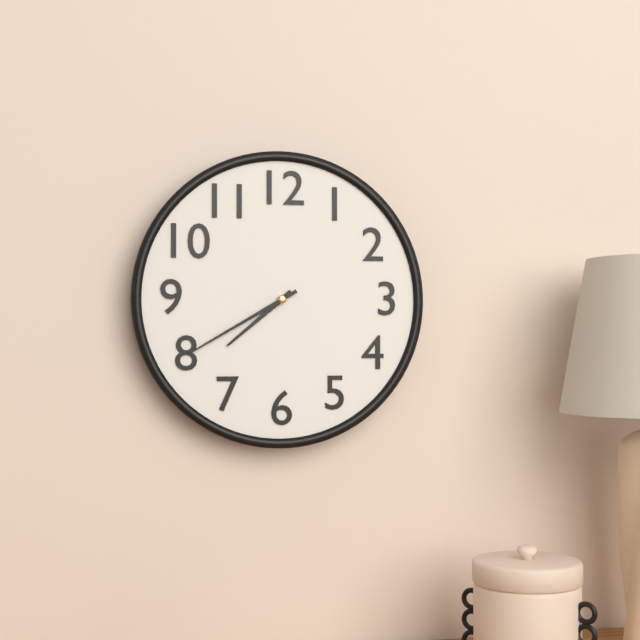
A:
7,40
